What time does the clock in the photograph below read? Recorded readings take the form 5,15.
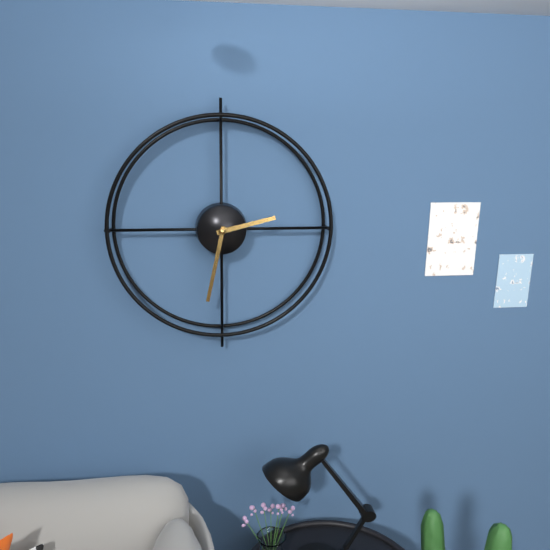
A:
2,32
